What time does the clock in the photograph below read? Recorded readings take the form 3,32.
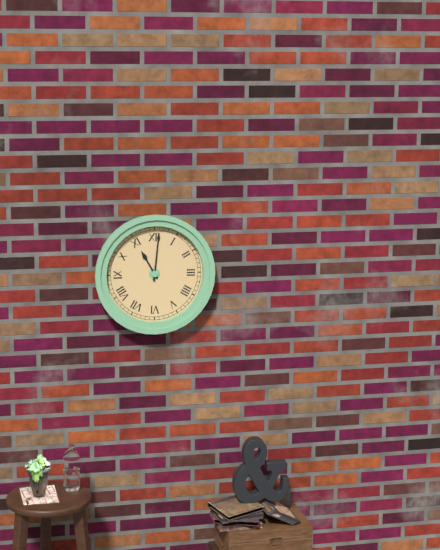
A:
11,01
